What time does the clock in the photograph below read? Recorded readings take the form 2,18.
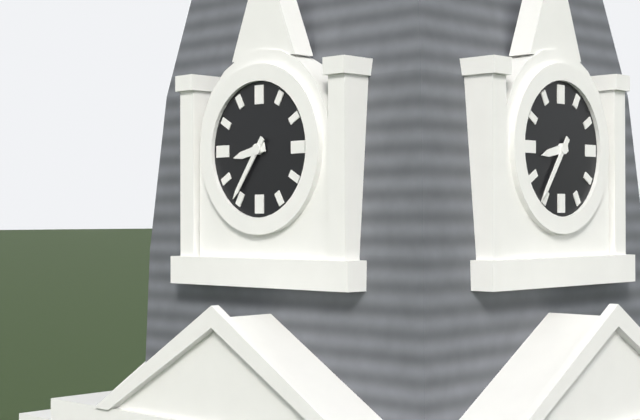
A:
8,36
